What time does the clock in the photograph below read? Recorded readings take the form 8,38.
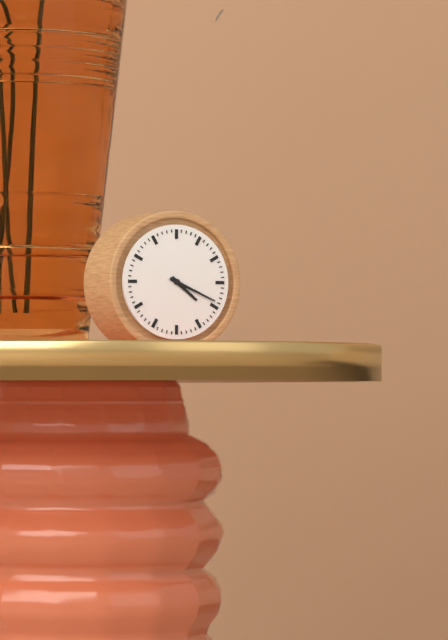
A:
4,19
